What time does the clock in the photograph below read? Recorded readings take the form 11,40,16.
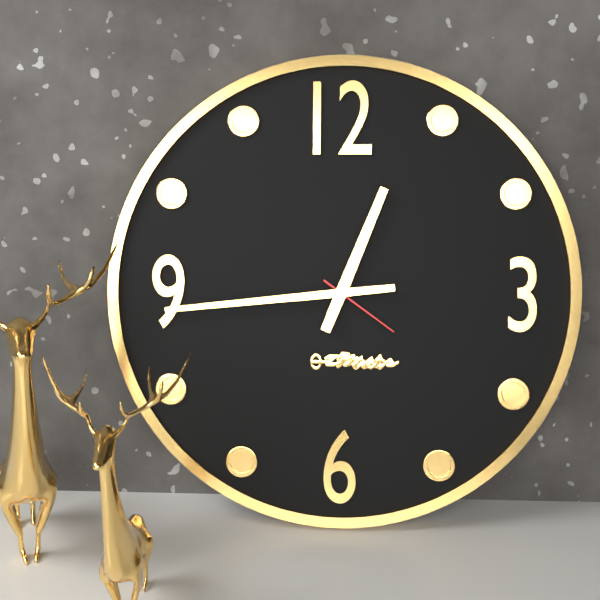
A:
12,44,21
